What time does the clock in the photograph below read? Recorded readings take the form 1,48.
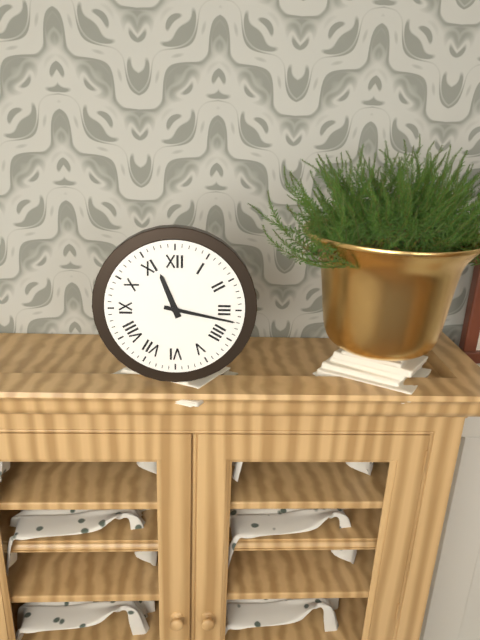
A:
11,17
